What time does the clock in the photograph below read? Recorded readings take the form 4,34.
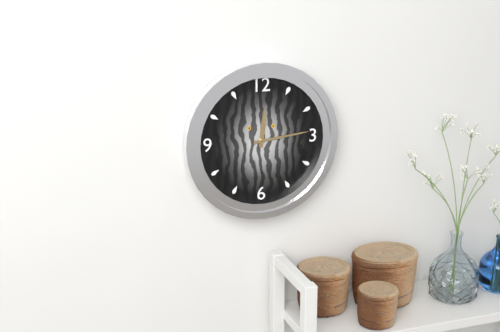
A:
12,14
